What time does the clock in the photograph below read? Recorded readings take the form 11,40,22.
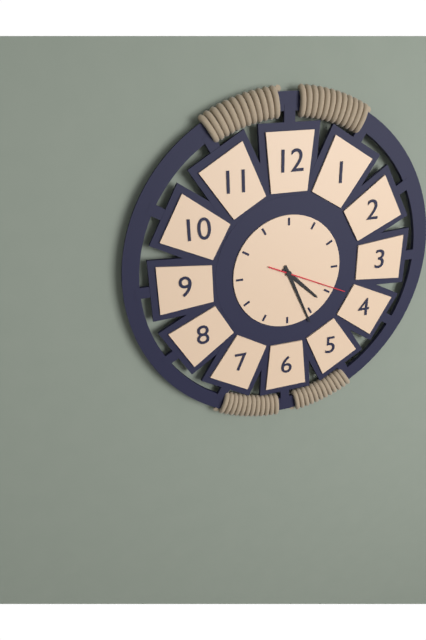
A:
4,26,19
